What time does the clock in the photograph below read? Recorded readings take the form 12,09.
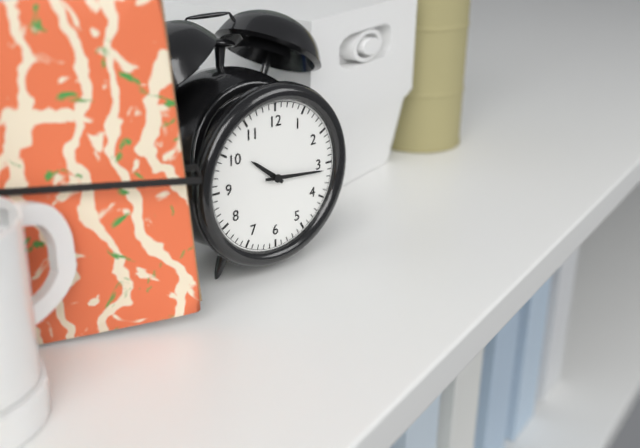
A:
10,16
